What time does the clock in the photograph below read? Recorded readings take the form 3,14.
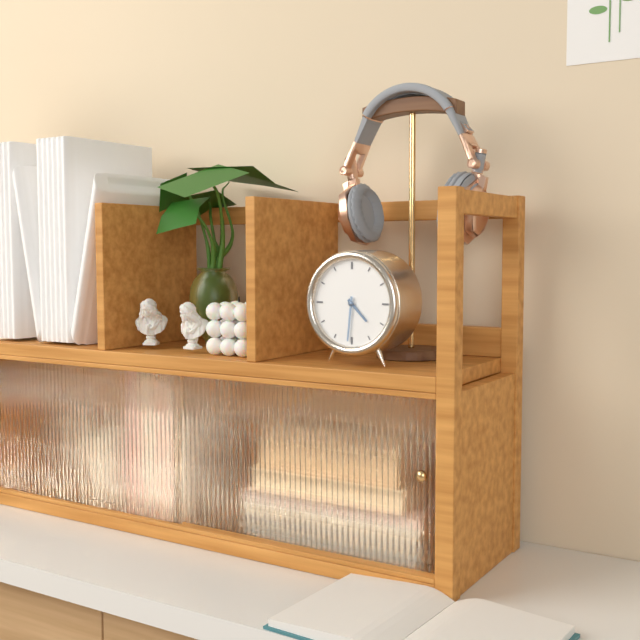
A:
4,31
